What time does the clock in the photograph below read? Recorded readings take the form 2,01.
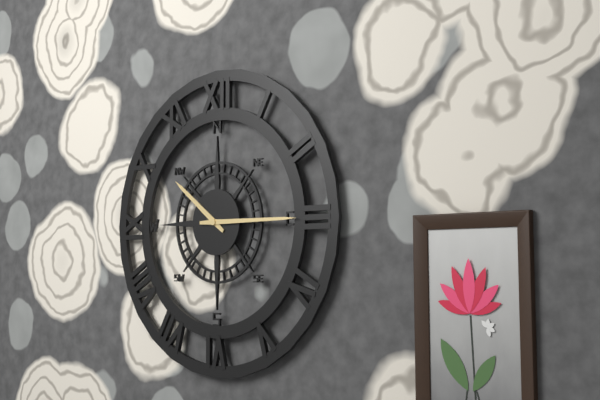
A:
10,15
